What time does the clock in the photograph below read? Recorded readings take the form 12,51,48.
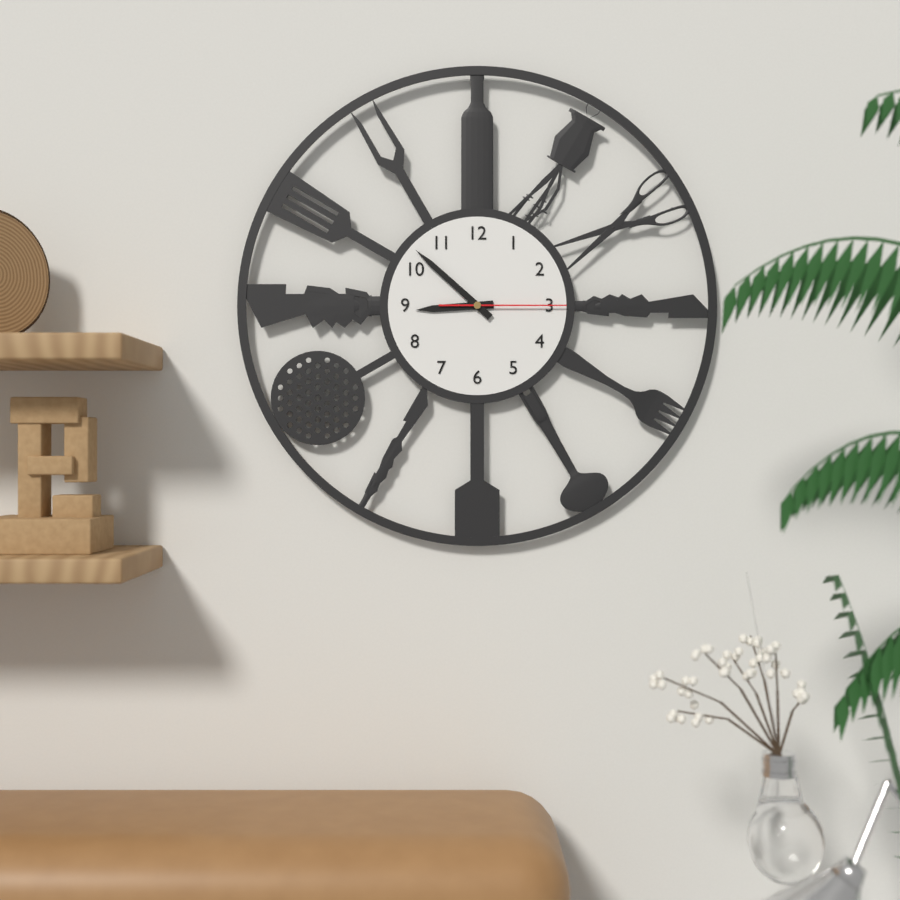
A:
8,52,15
